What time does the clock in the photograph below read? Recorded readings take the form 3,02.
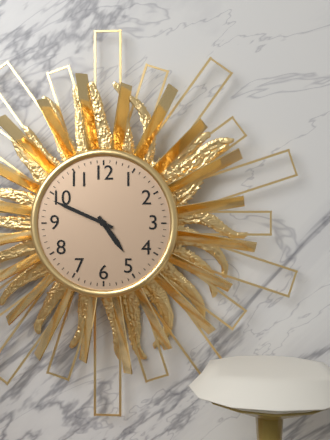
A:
4,49
